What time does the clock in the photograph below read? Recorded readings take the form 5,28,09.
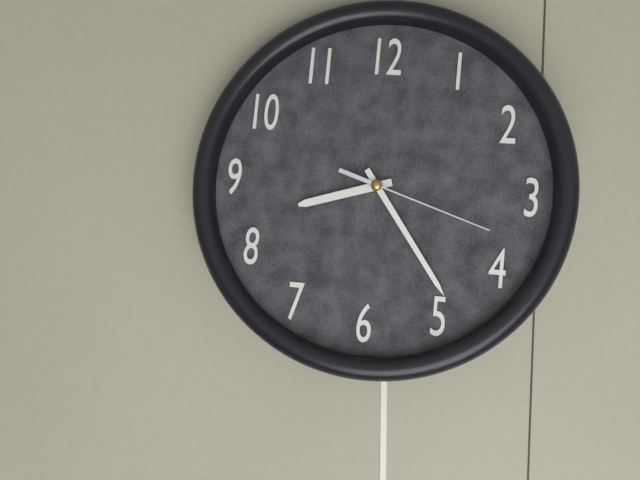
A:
8,24,18
